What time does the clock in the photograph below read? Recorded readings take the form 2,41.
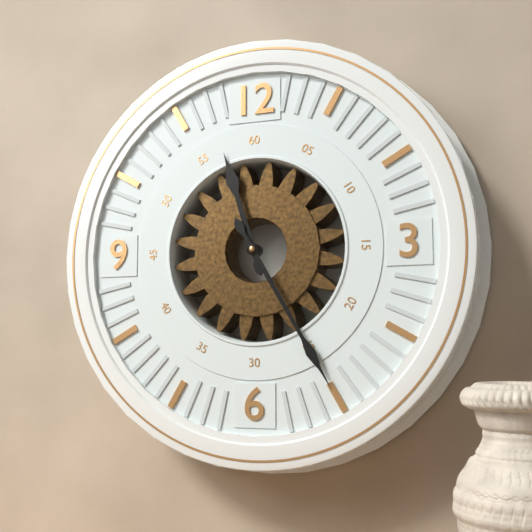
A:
11,25
